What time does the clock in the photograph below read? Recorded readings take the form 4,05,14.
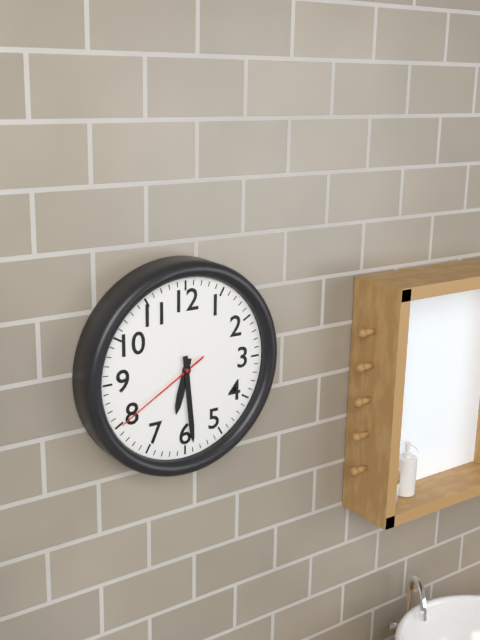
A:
6,29,40
